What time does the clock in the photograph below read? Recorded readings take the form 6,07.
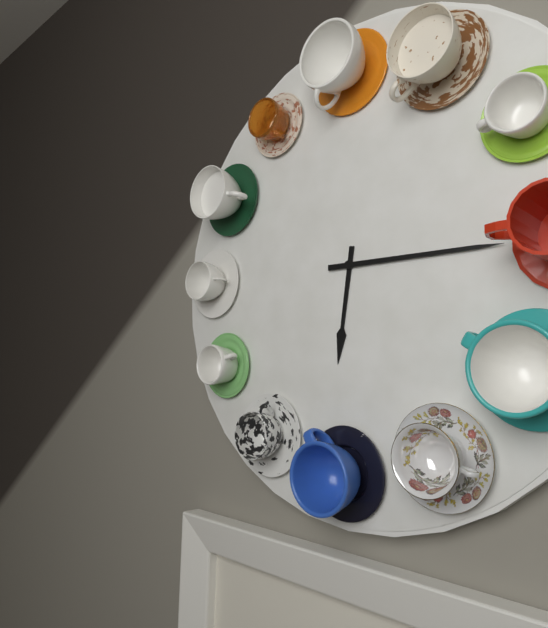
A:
6,15
